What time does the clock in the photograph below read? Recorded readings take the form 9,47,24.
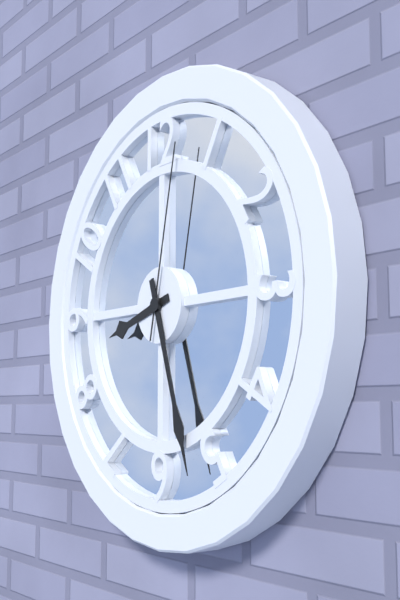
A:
8,27,02
